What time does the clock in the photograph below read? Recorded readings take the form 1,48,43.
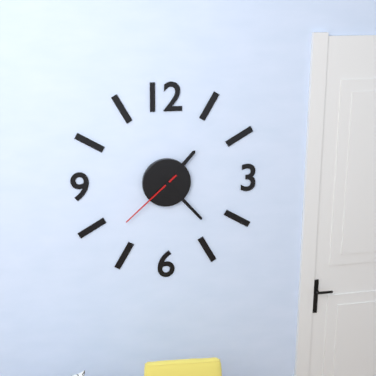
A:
1,23,38
